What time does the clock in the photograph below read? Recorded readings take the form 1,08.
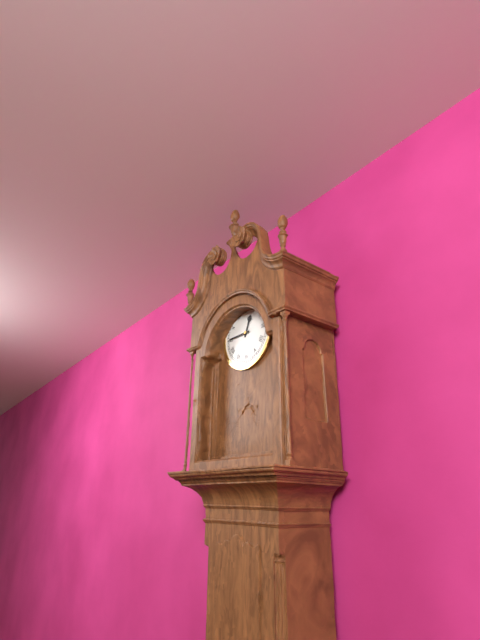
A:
12,45
